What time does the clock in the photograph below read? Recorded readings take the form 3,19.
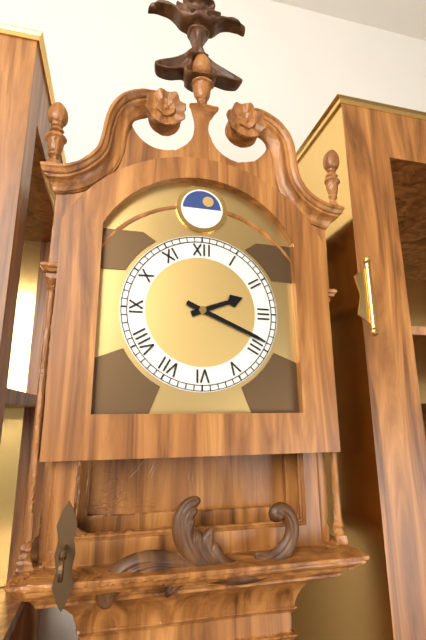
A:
2,19
